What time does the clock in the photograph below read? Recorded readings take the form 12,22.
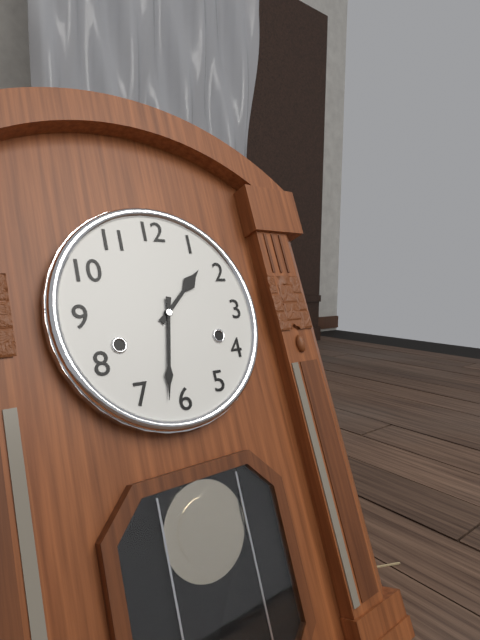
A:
1,32
